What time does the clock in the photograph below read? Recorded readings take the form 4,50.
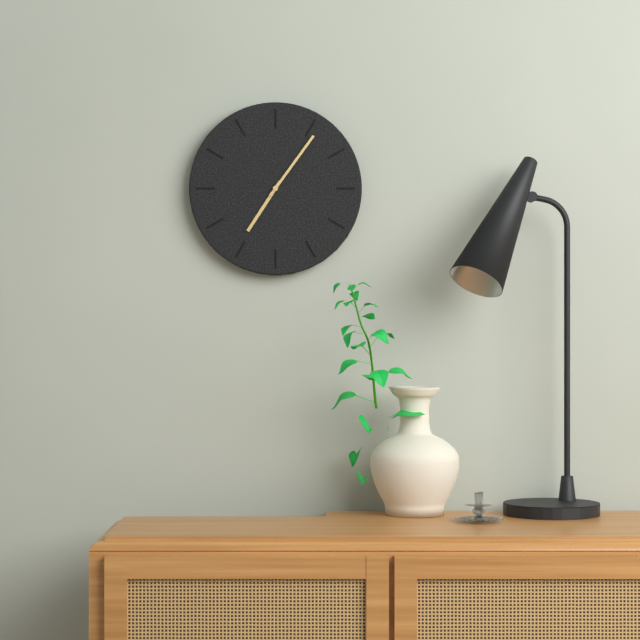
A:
7,06
